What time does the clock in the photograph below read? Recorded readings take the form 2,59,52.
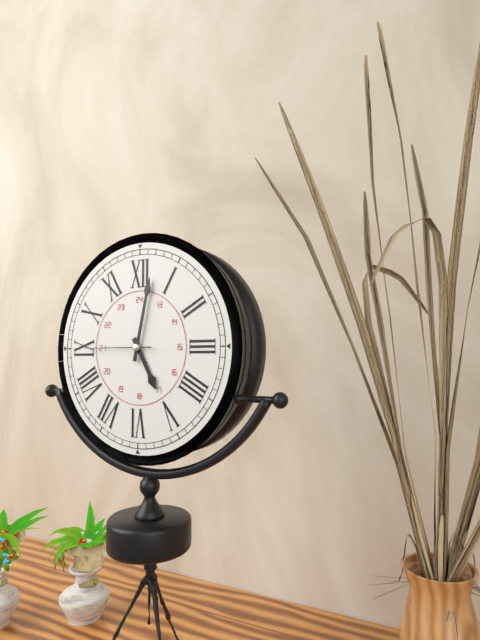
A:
5,02,45
